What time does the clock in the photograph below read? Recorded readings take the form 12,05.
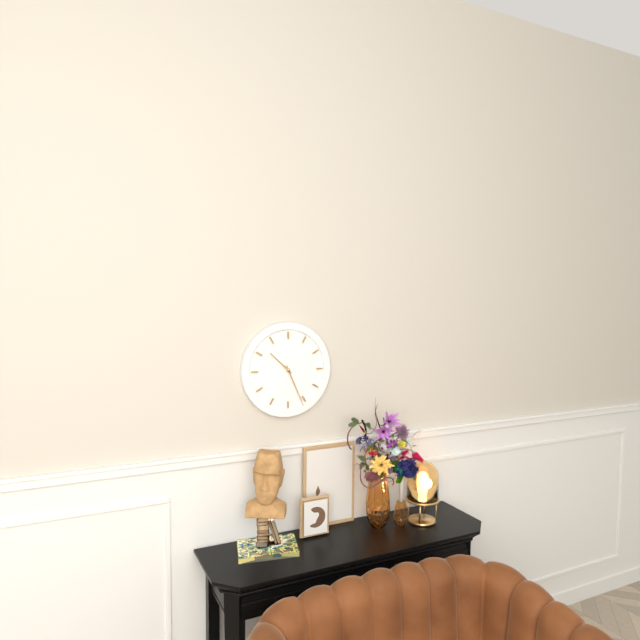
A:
10,26
